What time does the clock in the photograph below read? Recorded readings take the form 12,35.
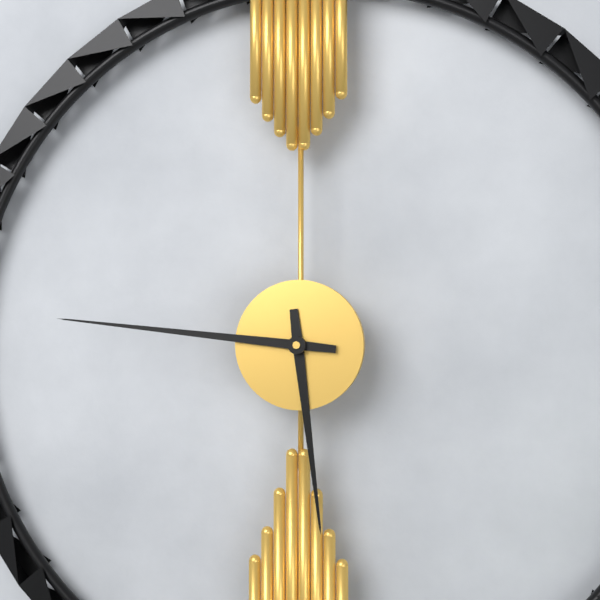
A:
5,46
